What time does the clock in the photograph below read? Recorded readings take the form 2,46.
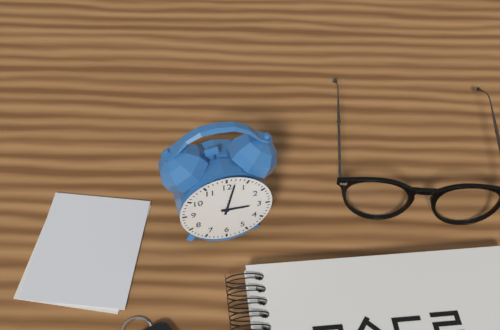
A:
3,02
